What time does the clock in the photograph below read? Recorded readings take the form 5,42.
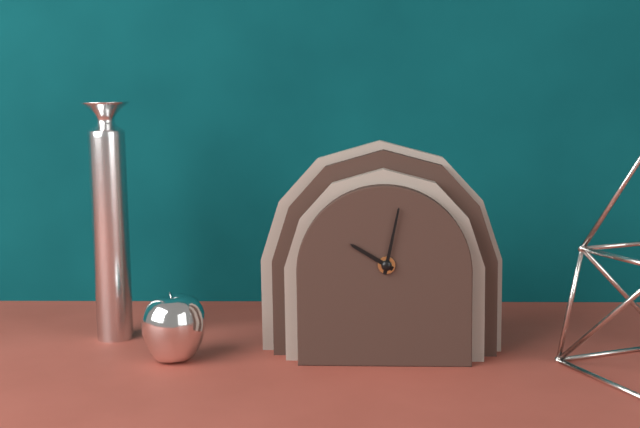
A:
10,02
